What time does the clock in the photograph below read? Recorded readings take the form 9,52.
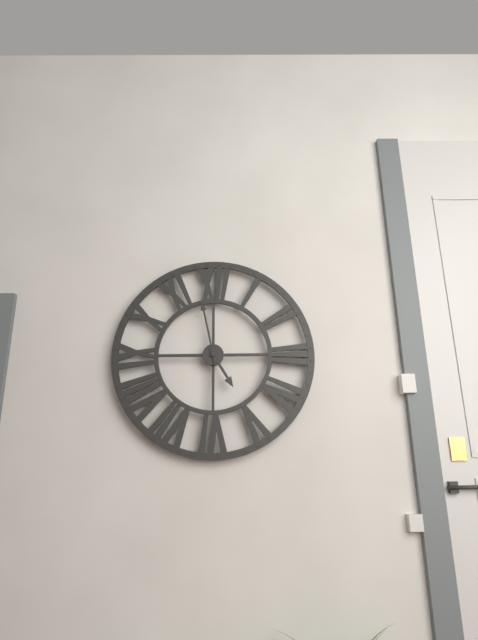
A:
4,58
